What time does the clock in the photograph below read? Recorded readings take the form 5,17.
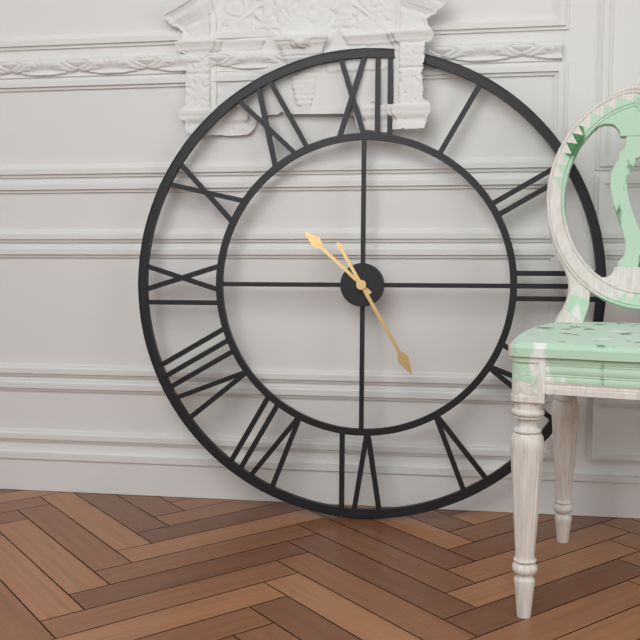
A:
10,25
